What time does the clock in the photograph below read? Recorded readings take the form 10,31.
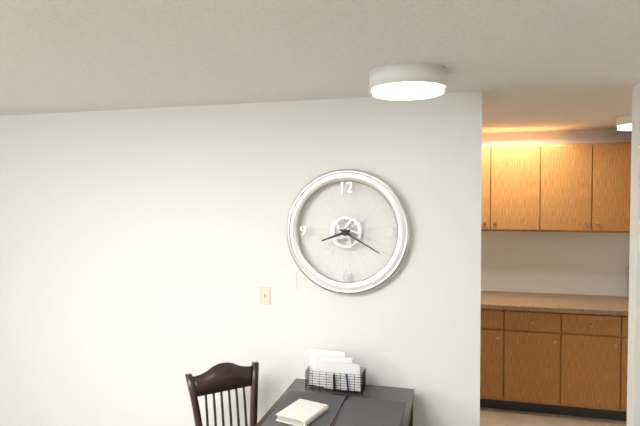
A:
8,20
